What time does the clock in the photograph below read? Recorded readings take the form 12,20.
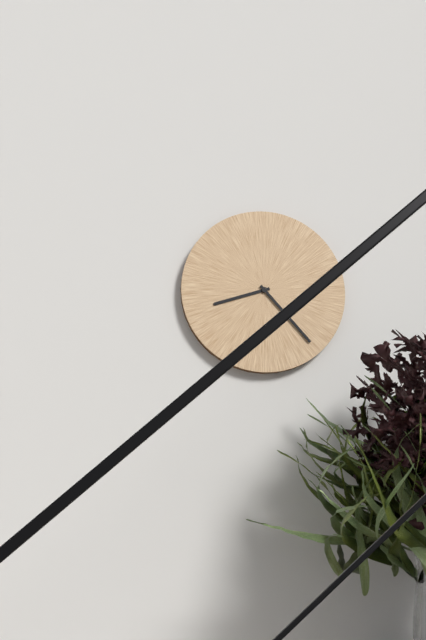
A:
8,23
